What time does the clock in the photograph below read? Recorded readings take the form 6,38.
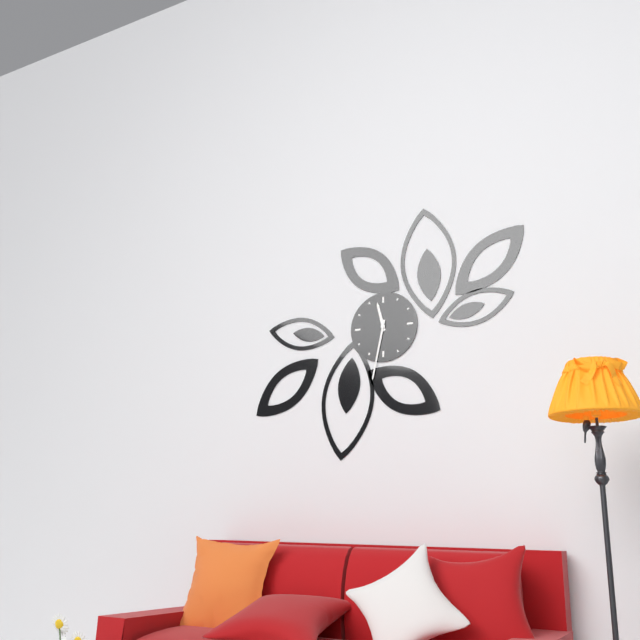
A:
11,32
